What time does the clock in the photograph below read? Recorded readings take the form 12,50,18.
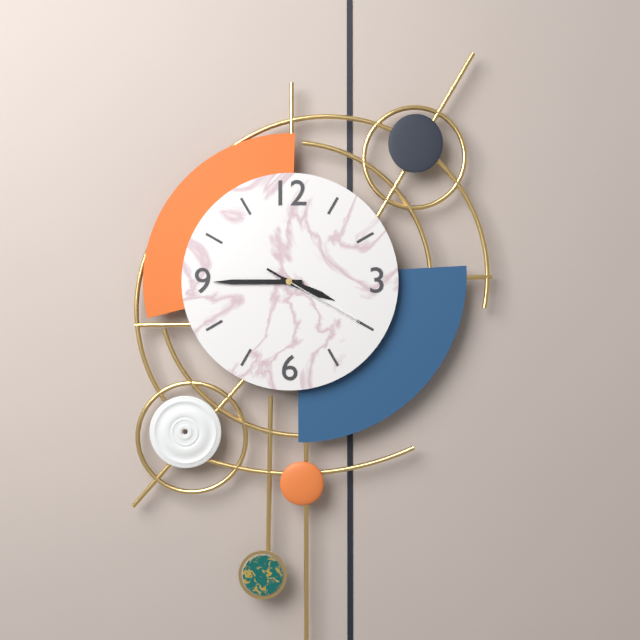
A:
3,45,20
